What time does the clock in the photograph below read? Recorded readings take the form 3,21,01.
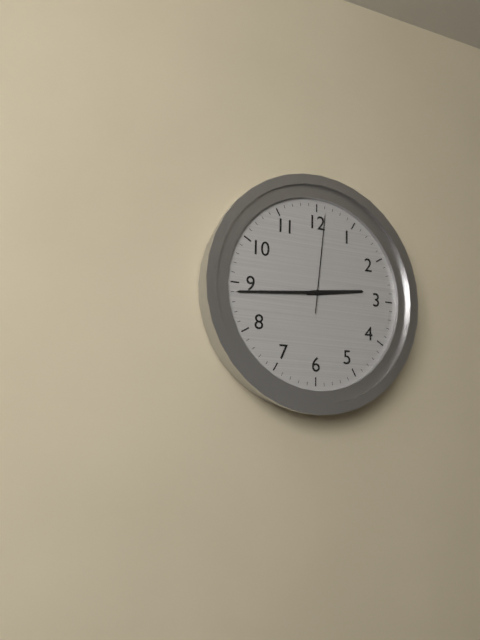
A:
2,44,01
